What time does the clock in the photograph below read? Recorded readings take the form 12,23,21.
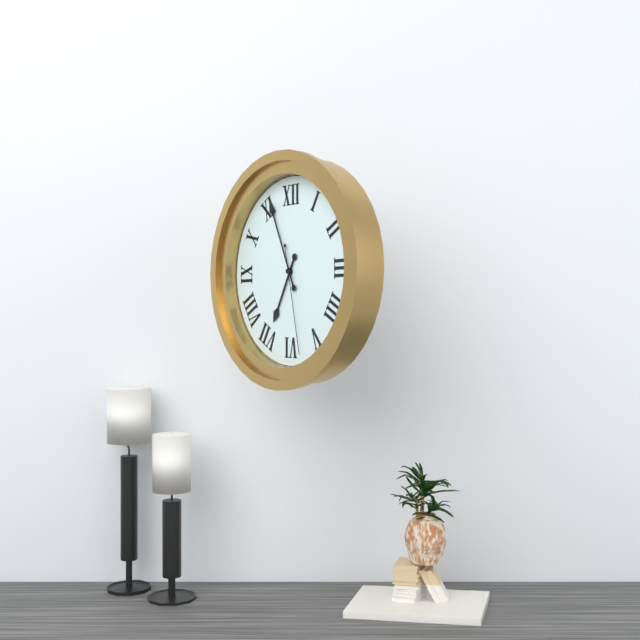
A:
6,56,28
